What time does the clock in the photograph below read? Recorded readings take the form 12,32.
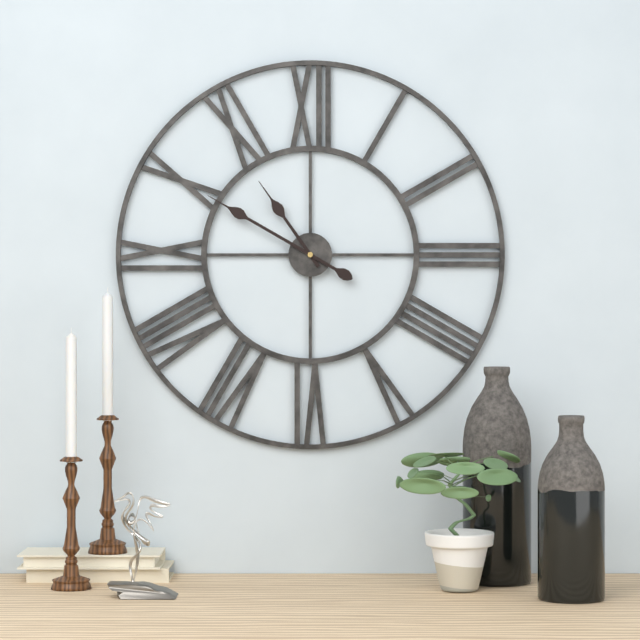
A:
10,50
